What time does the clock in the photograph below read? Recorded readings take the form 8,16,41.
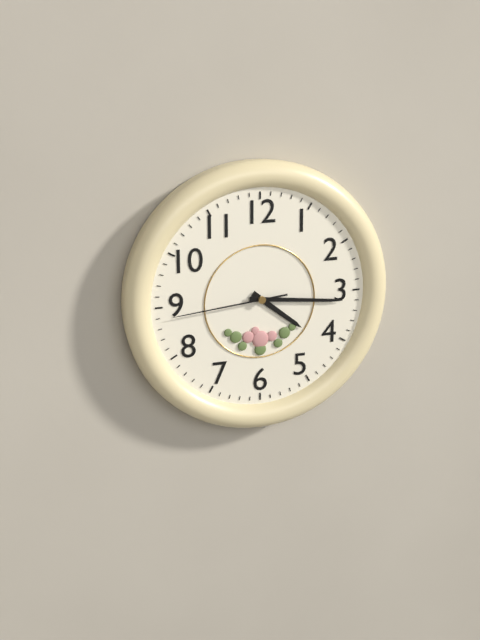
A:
4,16,44
